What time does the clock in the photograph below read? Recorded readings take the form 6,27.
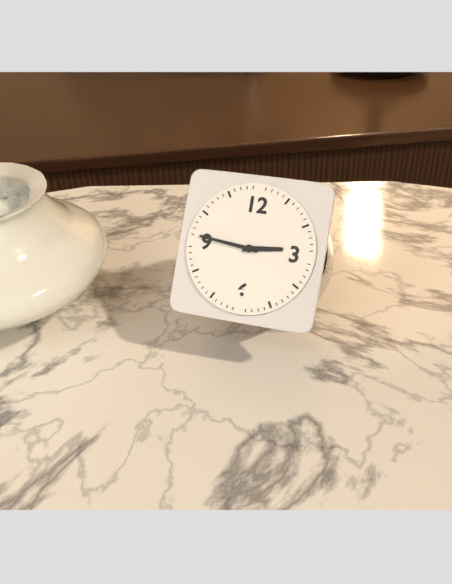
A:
2,46
